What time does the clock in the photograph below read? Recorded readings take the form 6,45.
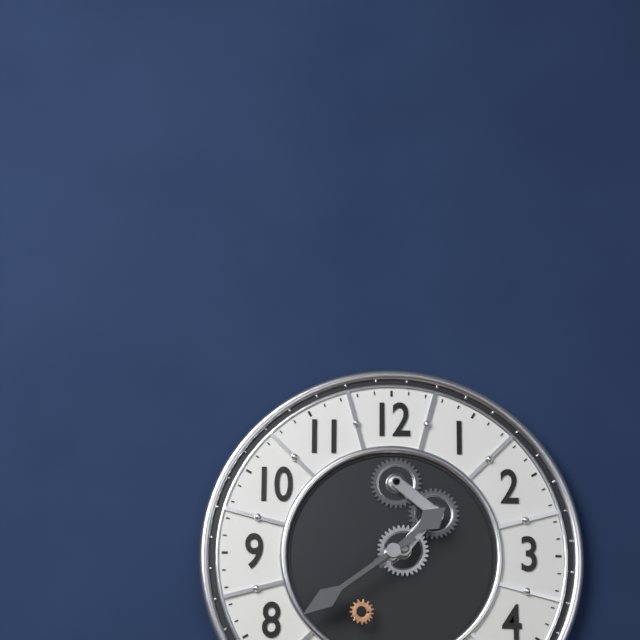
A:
1,39
